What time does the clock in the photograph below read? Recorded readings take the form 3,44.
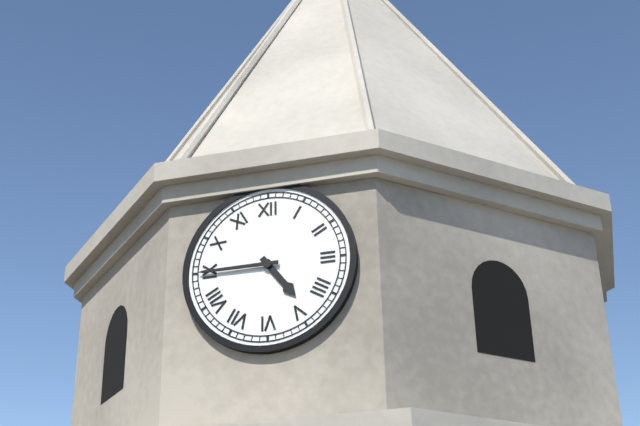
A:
4,45
